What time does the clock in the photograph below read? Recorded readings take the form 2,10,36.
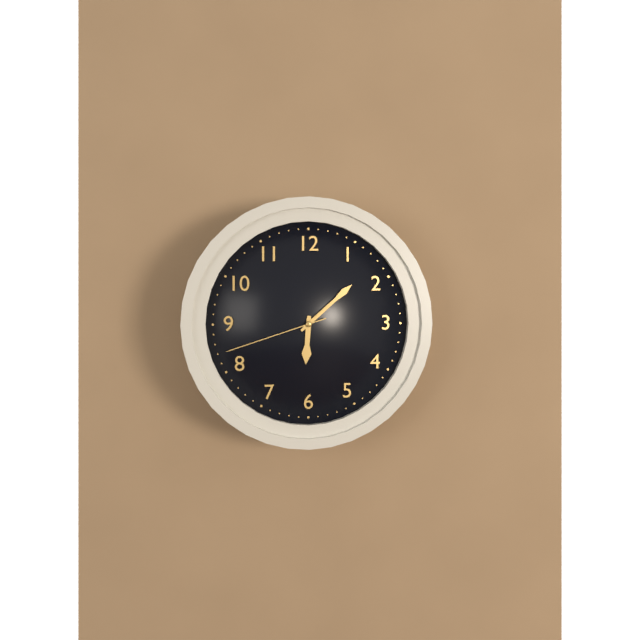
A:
6,08,42
